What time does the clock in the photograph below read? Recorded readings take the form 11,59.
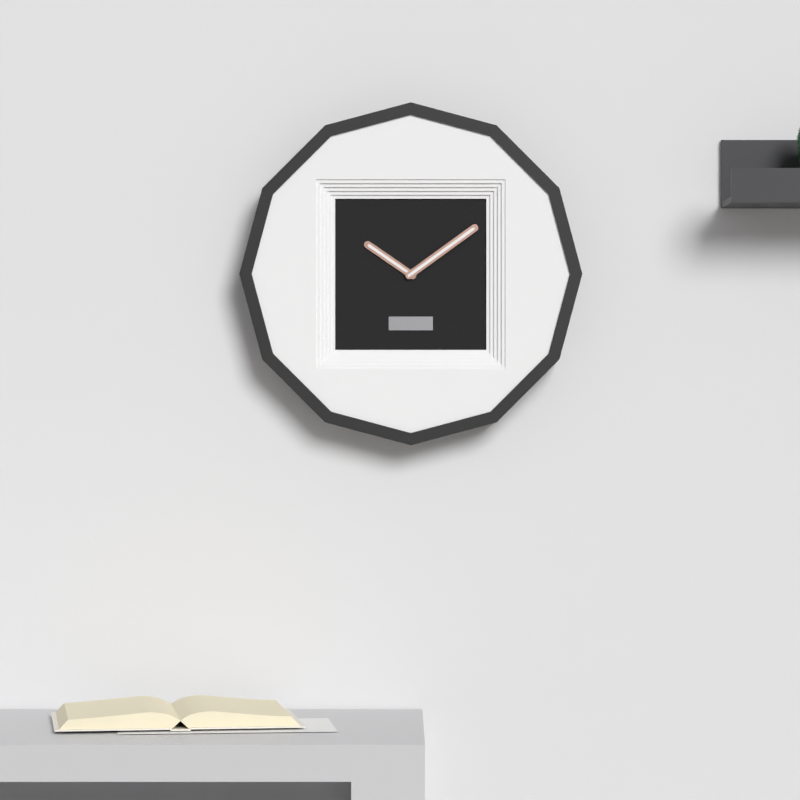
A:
10,09
